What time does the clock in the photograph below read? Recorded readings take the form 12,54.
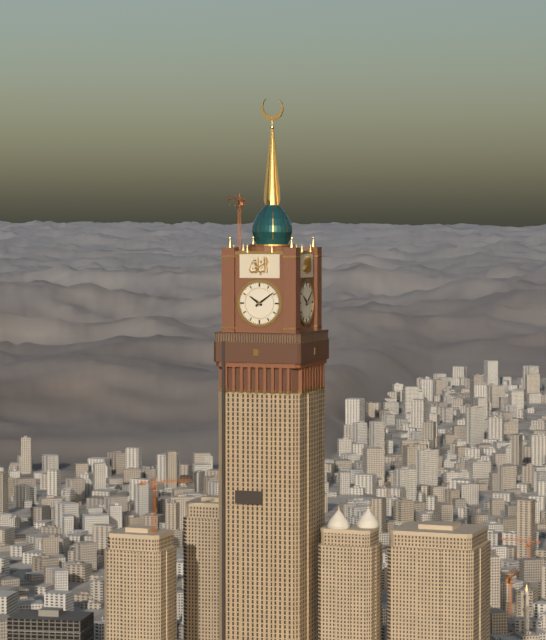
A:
10,09
